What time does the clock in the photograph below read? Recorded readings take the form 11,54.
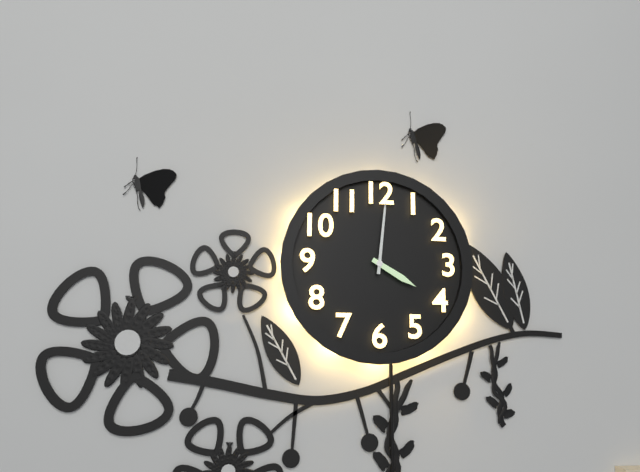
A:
4,01
